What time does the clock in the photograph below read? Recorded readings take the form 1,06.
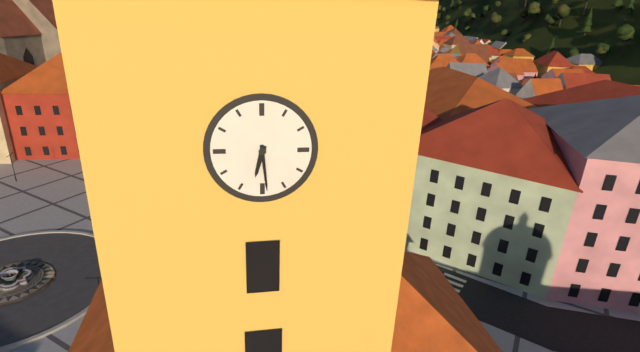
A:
6,29
